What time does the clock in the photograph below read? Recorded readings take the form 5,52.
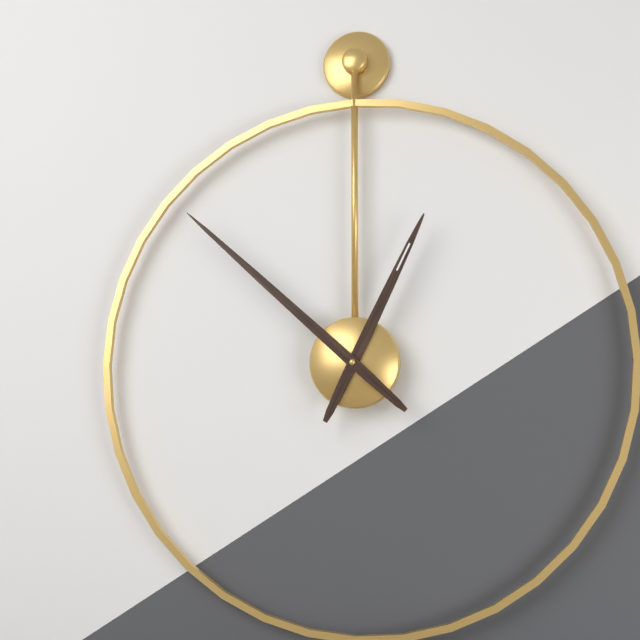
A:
12,52
